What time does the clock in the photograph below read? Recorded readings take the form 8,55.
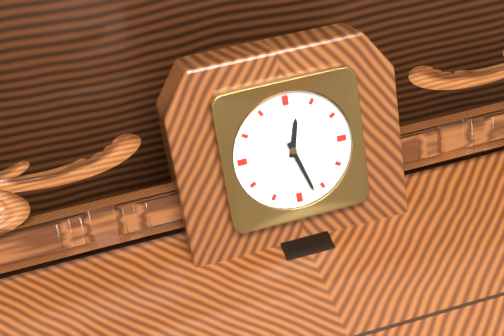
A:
12,27
